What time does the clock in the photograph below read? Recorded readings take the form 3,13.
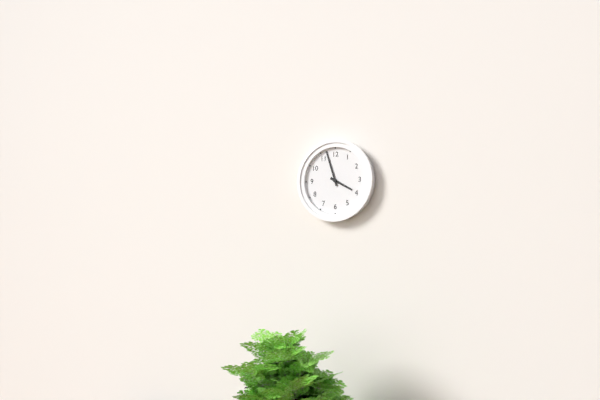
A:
3,57
